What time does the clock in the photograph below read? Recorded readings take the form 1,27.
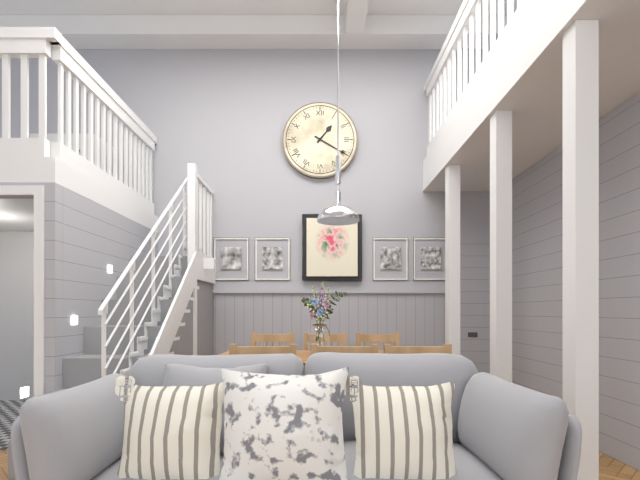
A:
1,20
